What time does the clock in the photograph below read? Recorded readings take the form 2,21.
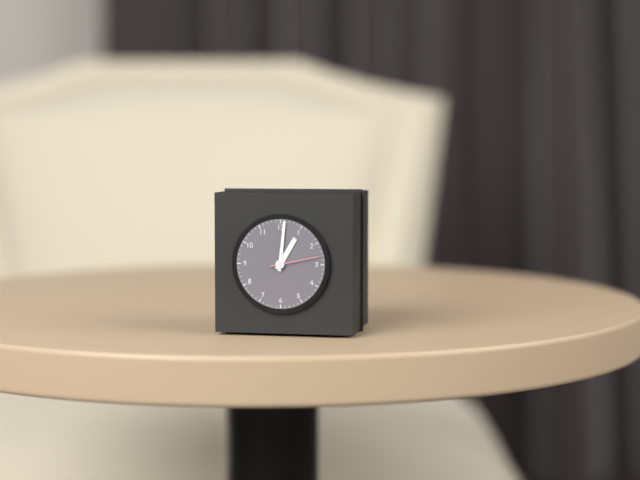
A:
1,01
